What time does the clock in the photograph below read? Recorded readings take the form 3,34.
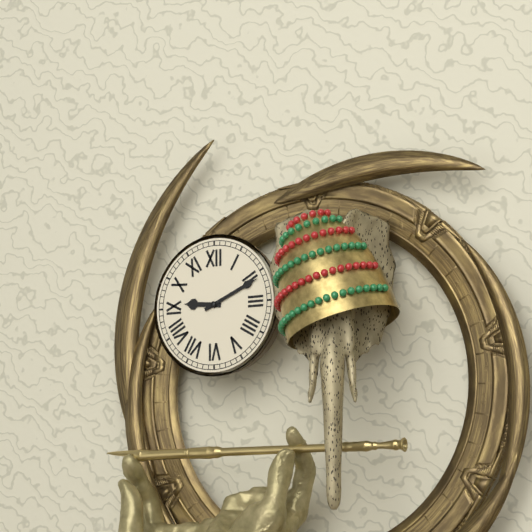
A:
9,11
